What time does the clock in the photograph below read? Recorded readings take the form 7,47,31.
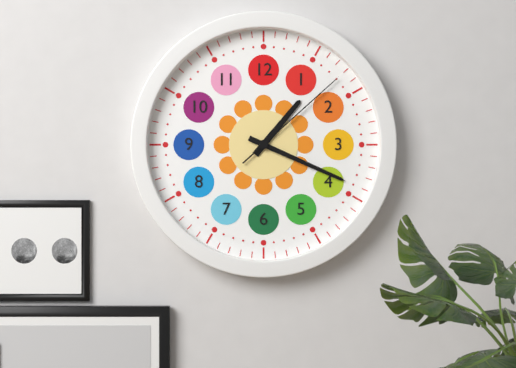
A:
1,19,08
